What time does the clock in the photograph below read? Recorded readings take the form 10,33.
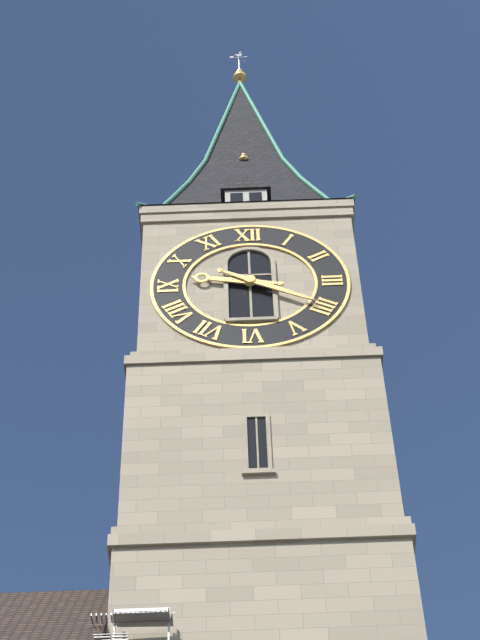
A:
9,20
